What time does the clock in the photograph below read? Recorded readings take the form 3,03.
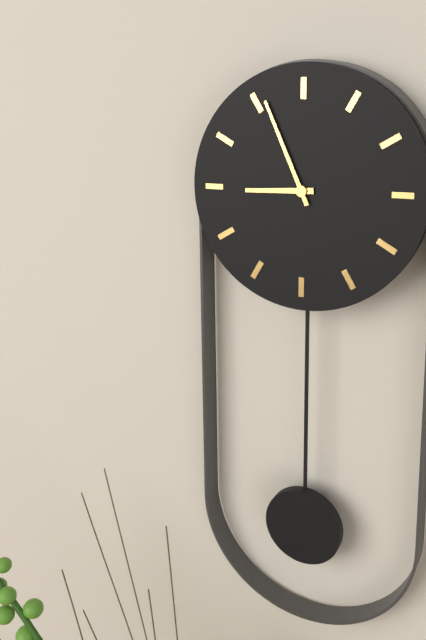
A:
8,56
